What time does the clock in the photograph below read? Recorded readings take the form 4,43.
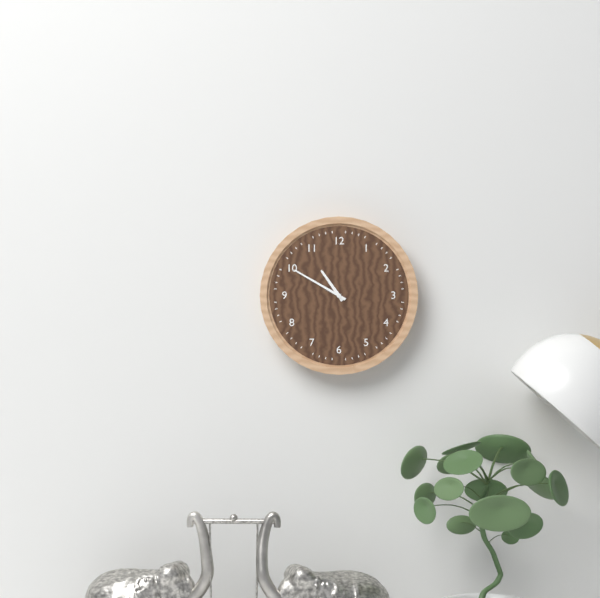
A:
10,50
